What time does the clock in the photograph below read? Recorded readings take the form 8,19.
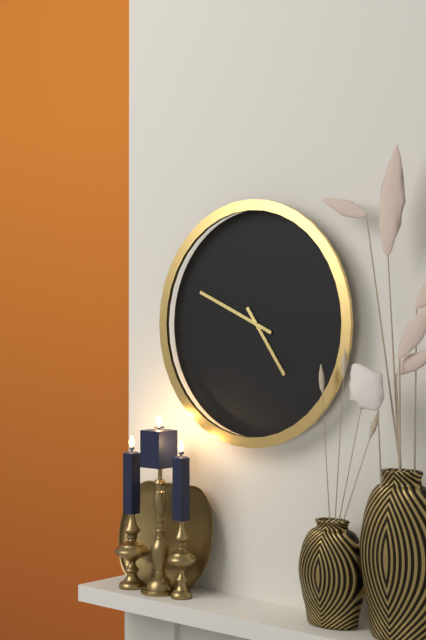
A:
4,49
